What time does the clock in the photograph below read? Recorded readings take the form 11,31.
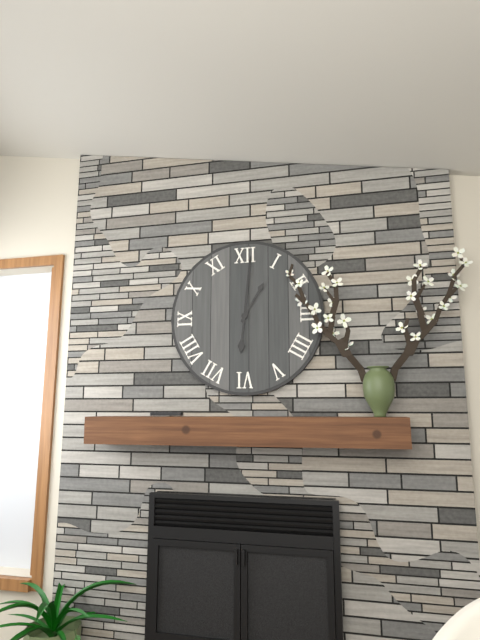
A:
1,01
